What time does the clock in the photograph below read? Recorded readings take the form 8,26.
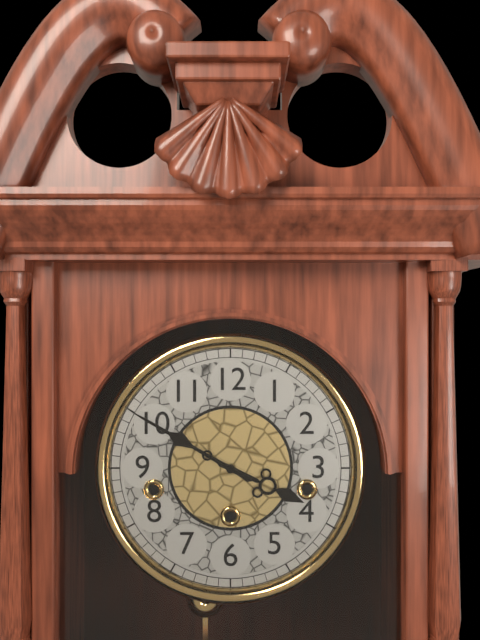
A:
3,50
